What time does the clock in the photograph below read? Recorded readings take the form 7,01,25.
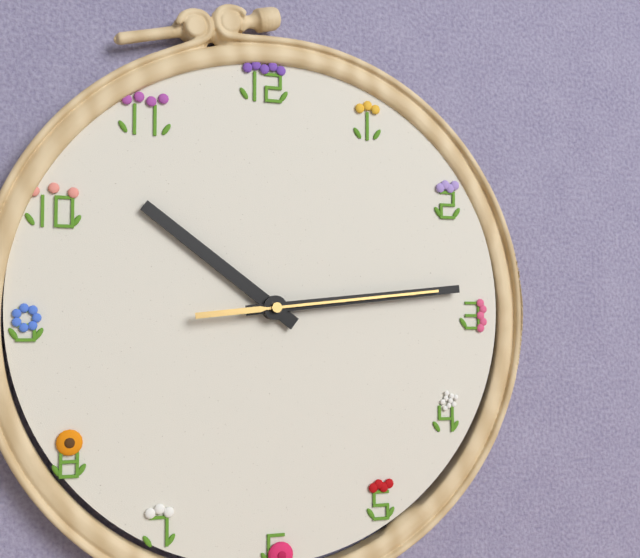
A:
10,14,14
